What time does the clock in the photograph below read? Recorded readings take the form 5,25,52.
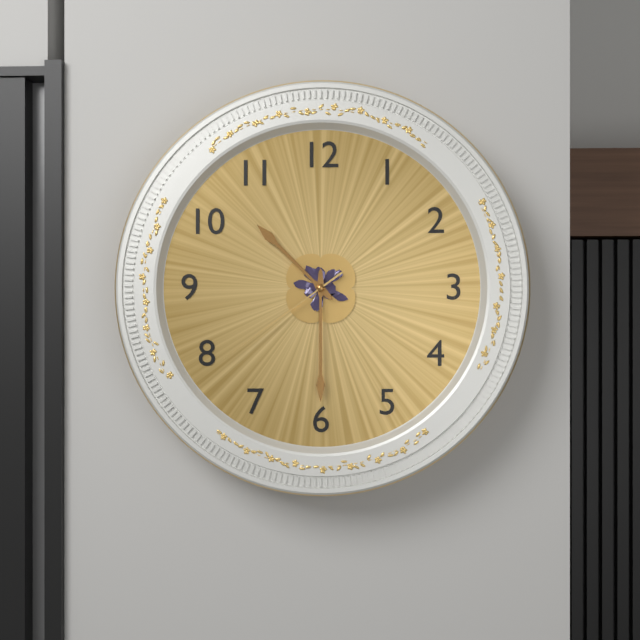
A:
10,30,39
